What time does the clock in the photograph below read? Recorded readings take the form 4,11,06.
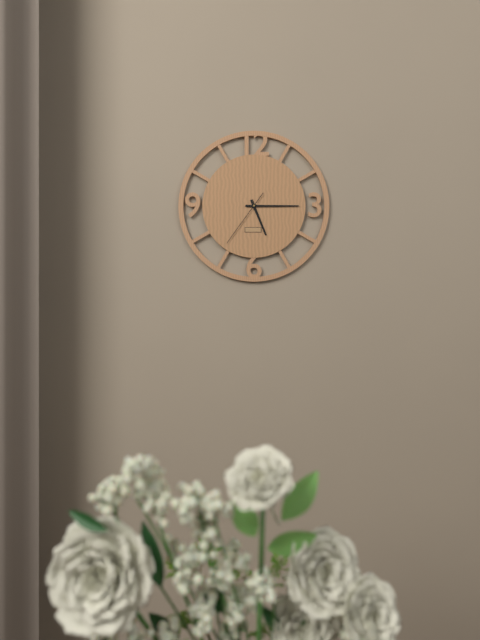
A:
5,15,36
